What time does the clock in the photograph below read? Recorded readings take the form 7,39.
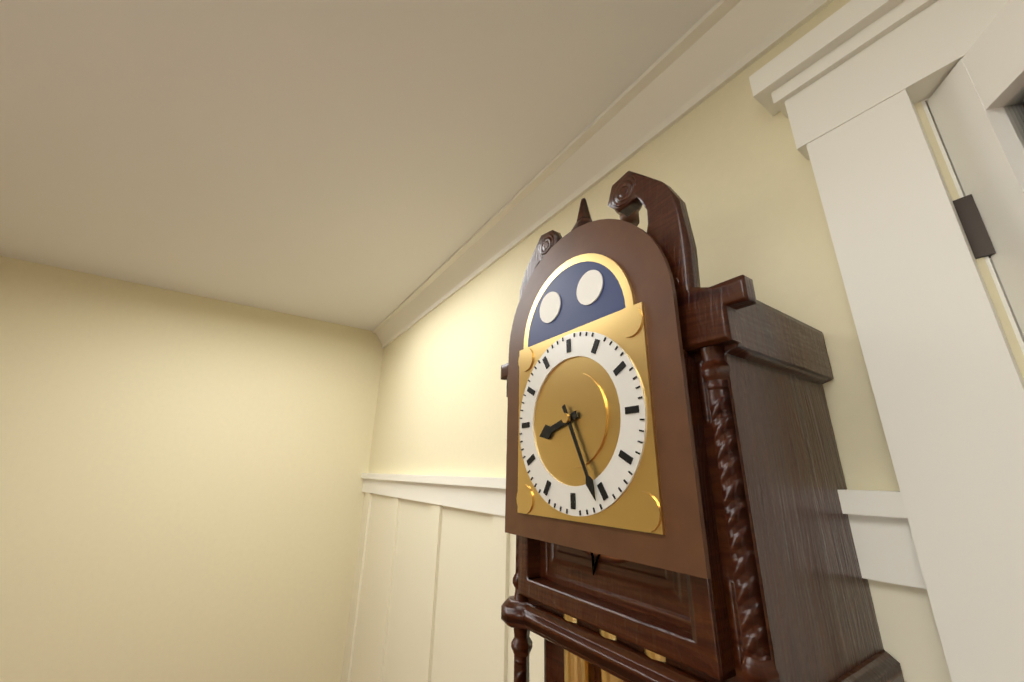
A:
8,26
